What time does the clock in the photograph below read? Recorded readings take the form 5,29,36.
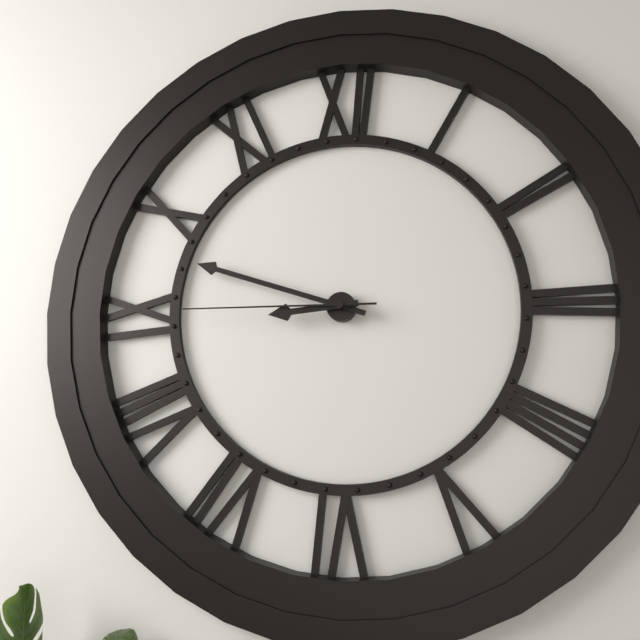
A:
8,48,45
